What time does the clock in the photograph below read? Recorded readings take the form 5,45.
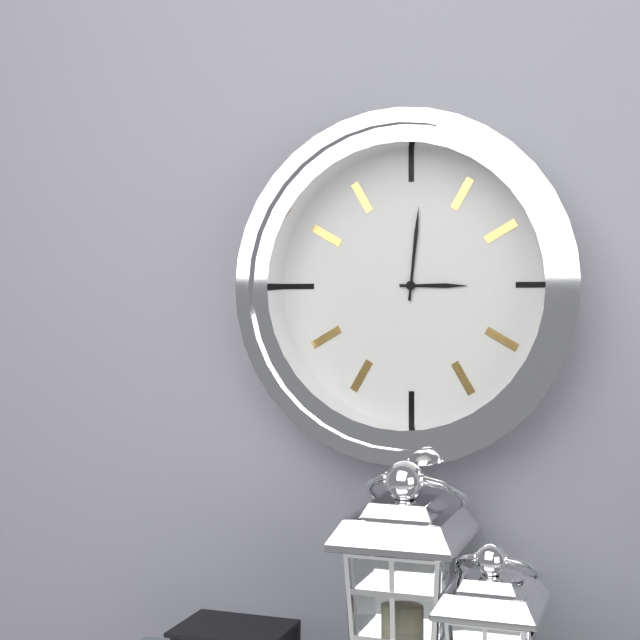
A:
3,01
